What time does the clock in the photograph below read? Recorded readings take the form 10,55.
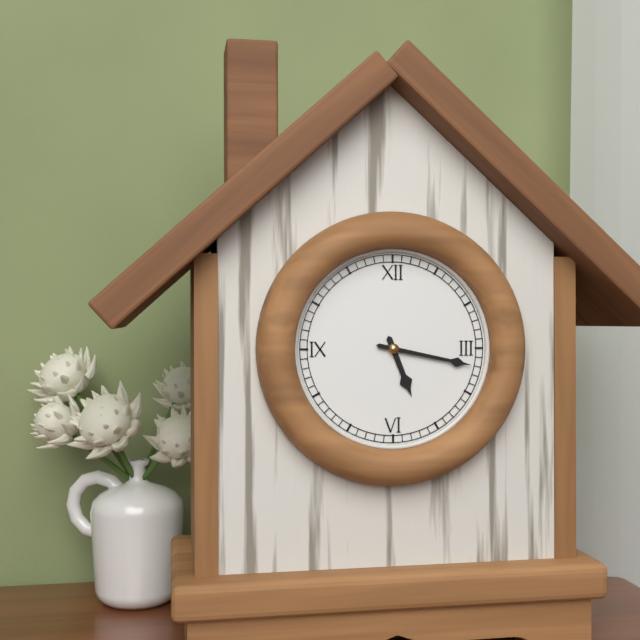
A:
5,17
